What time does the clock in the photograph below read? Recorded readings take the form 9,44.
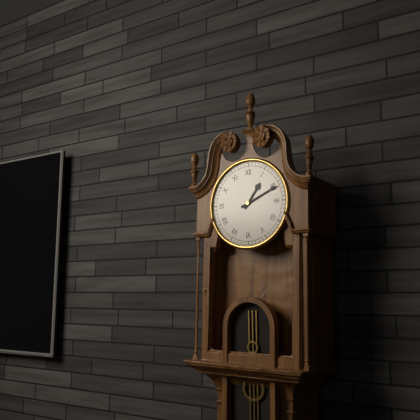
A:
1,11
